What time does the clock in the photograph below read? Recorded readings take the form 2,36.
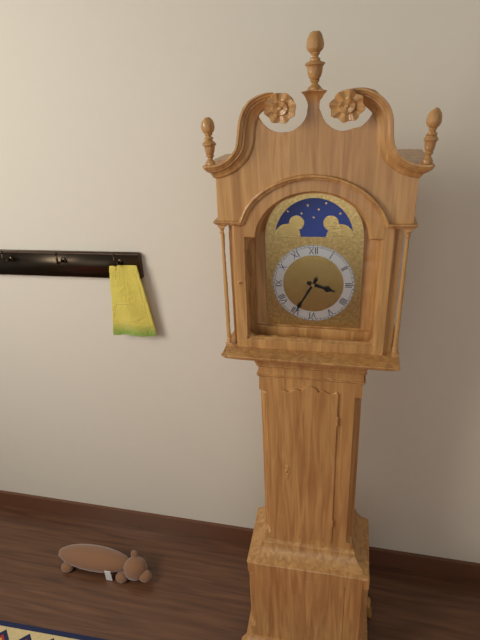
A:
3,35
